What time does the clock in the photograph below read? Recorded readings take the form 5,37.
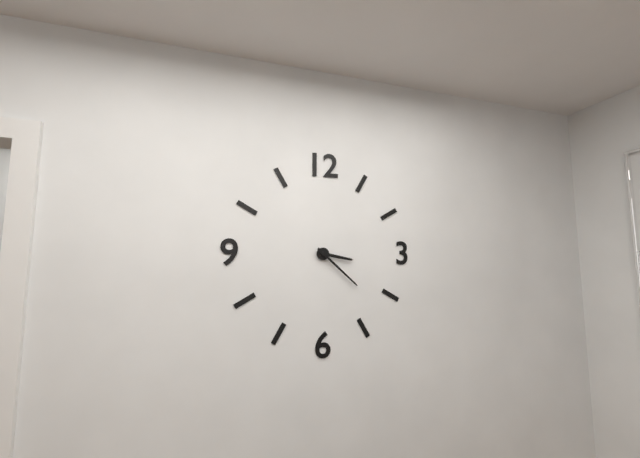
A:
3,22
